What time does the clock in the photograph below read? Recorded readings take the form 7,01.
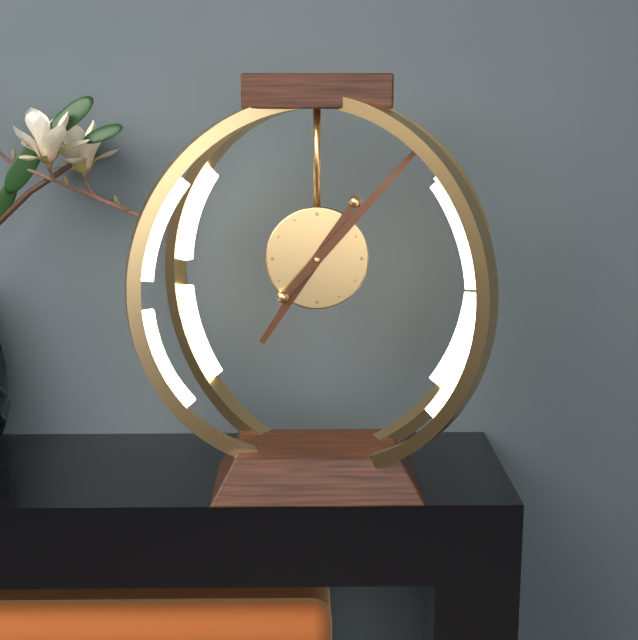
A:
7,07
